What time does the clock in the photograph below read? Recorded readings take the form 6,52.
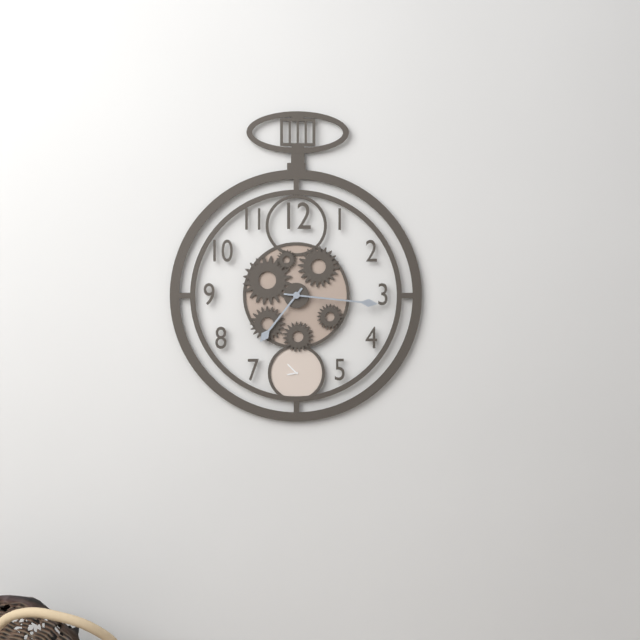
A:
7,16
